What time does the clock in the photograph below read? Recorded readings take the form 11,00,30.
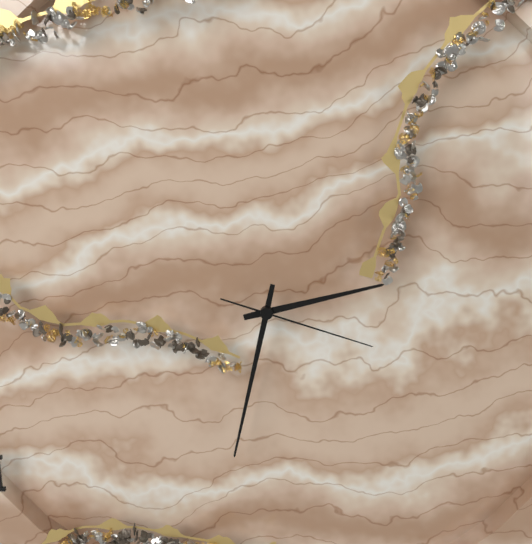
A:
2,32,18
